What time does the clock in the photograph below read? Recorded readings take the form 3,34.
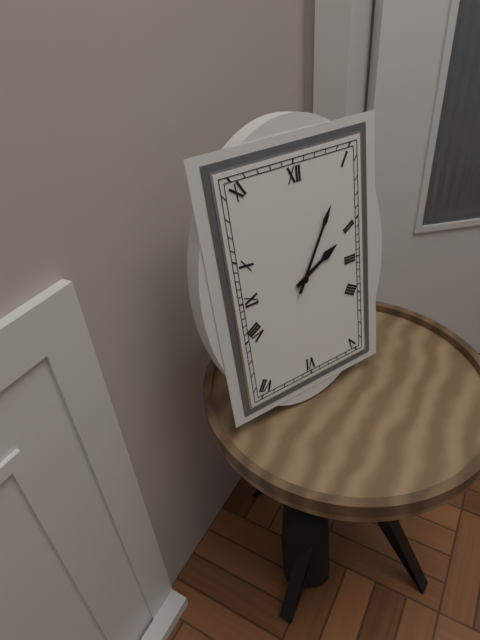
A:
2,05
